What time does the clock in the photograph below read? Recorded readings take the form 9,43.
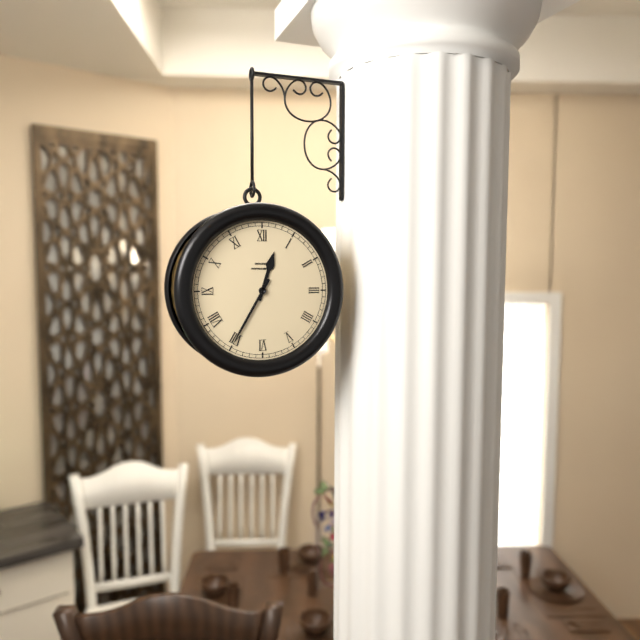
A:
12,35
